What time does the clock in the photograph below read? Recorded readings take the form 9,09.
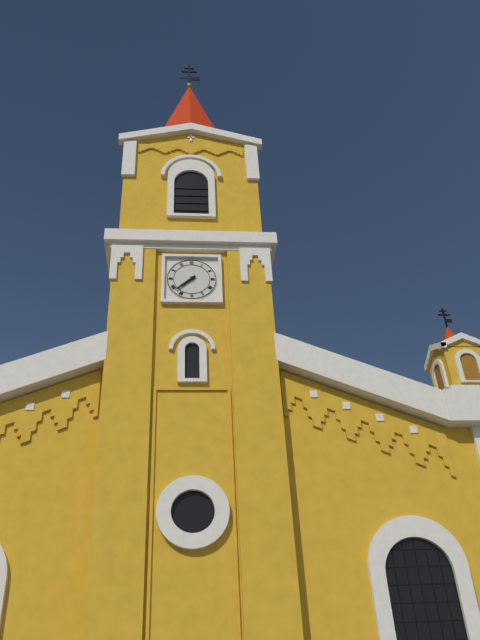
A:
7,38
